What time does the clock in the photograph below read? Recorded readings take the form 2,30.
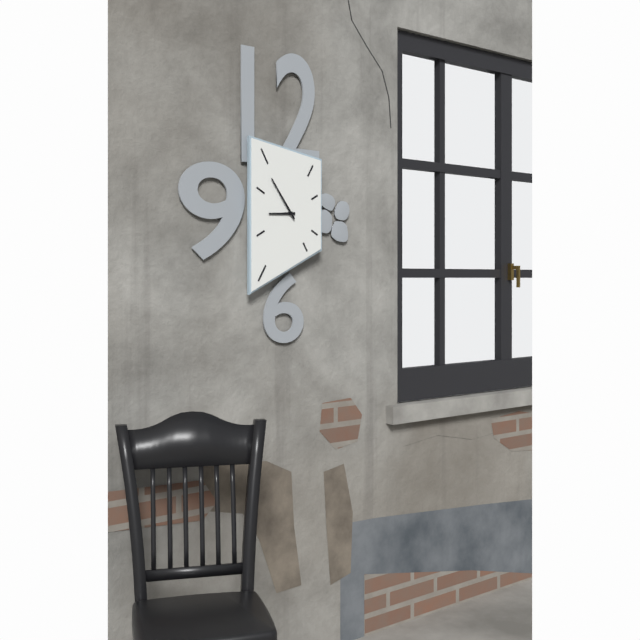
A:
8,54
